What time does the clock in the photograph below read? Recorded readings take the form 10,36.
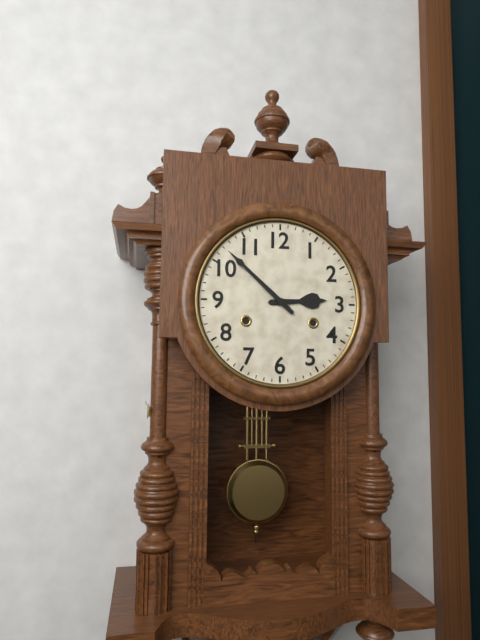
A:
2,52
